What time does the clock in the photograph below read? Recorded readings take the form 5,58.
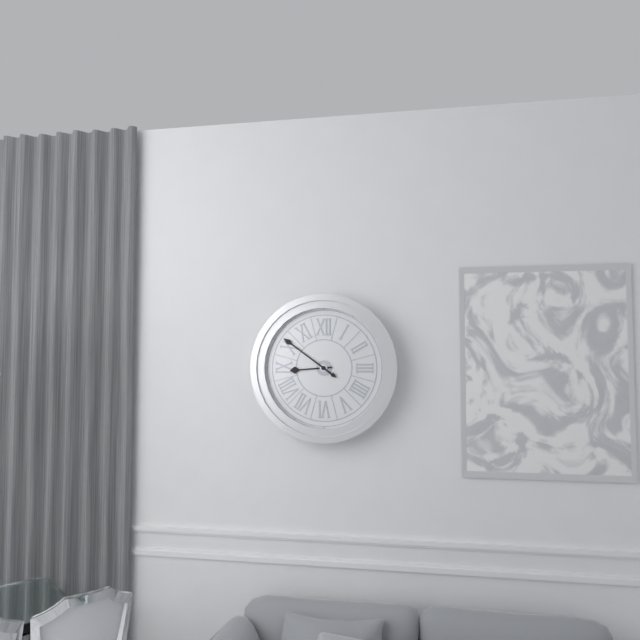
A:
8,51
